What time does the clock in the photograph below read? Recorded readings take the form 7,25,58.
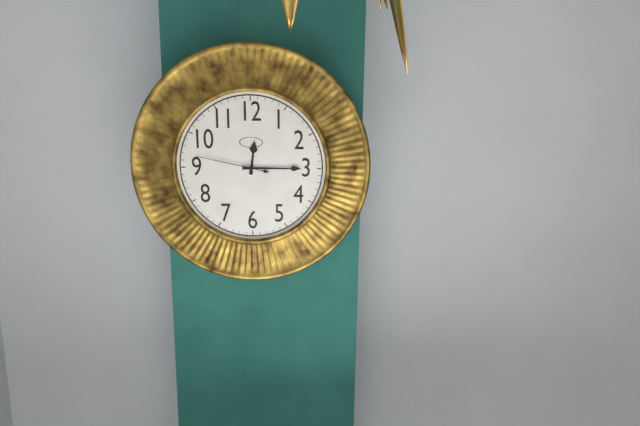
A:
12,15,47
